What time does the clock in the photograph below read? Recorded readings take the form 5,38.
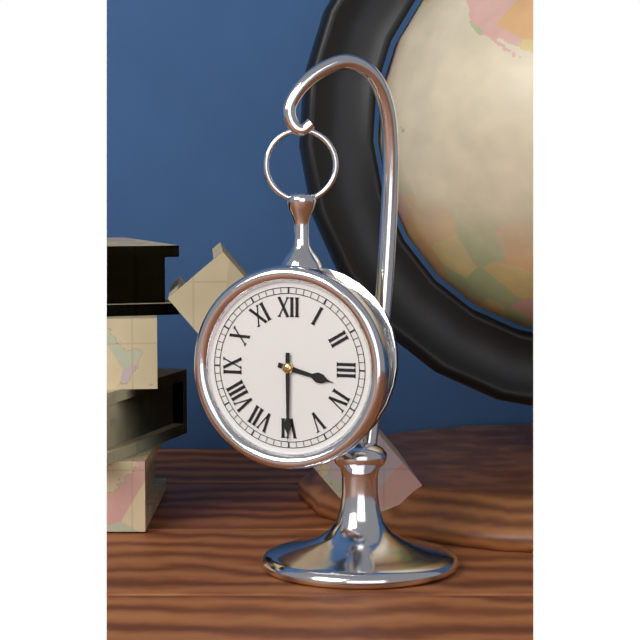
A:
3,30
